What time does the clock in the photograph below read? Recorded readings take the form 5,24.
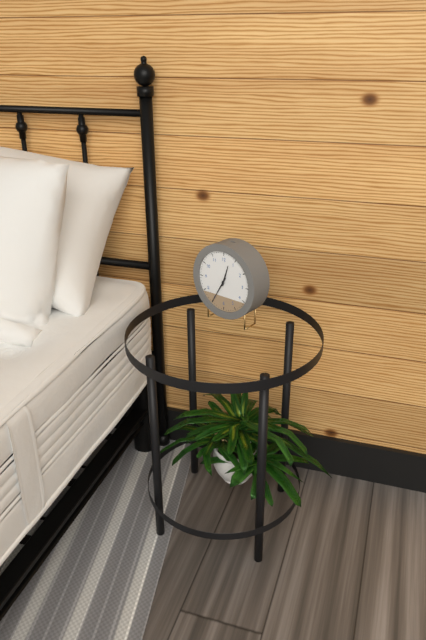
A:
12,35
